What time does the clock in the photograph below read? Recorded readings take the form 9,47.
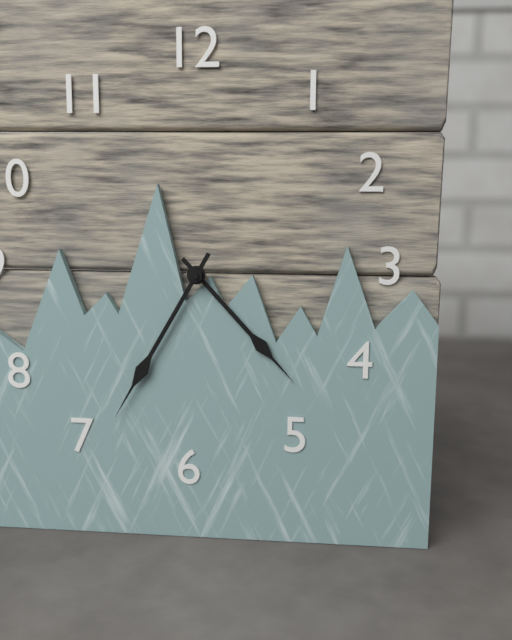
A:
4,35
